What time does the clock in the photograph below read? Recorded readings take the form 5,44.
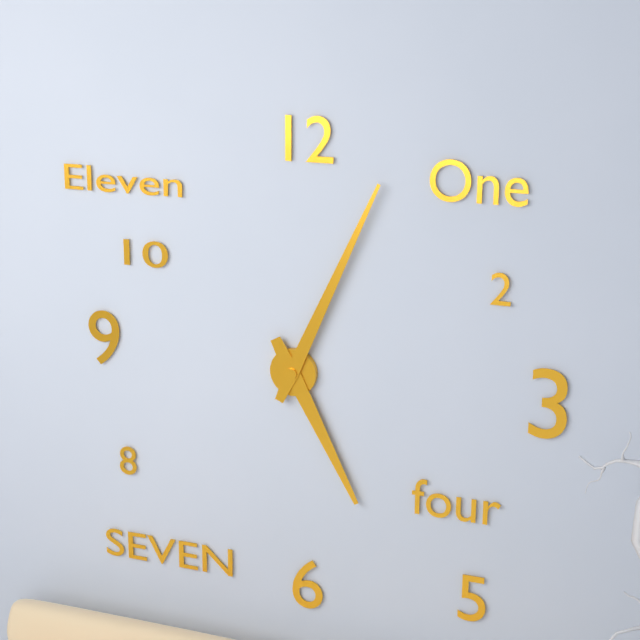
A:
5,04
